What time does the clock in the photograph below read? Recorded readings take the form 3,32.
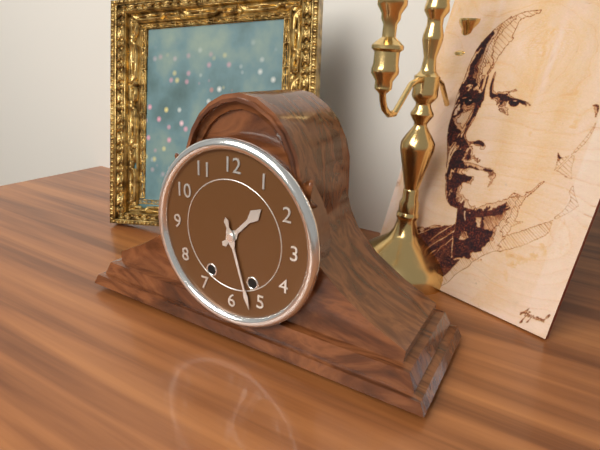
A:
1,27
